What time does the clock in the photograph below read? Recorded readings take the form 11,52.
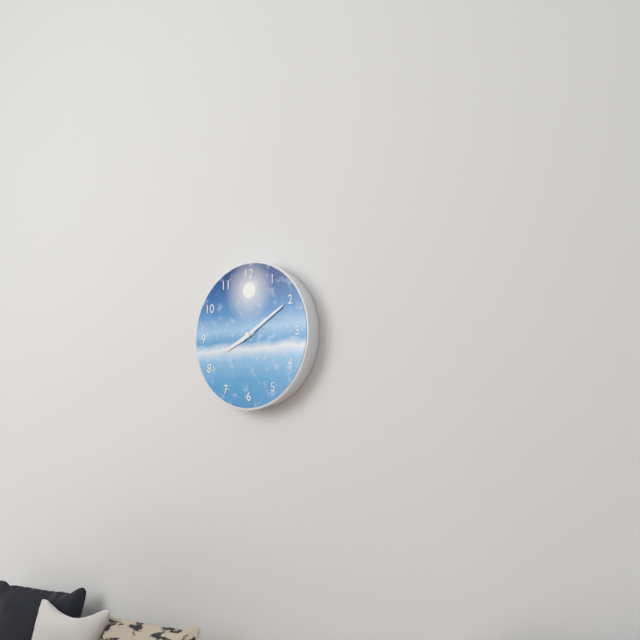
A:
8,10
